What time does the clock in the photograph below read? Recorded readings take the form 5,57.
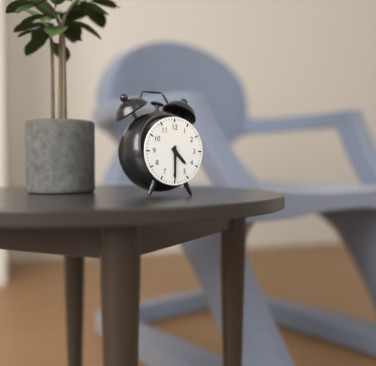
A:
4,30
